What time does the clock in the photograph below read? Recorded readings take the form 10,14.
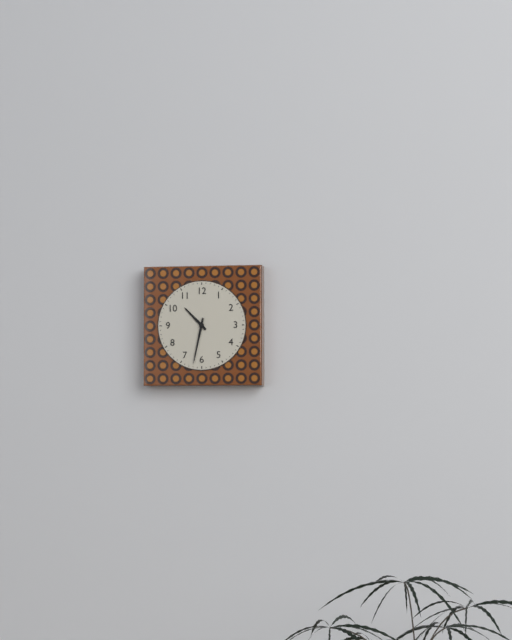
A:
10,32
